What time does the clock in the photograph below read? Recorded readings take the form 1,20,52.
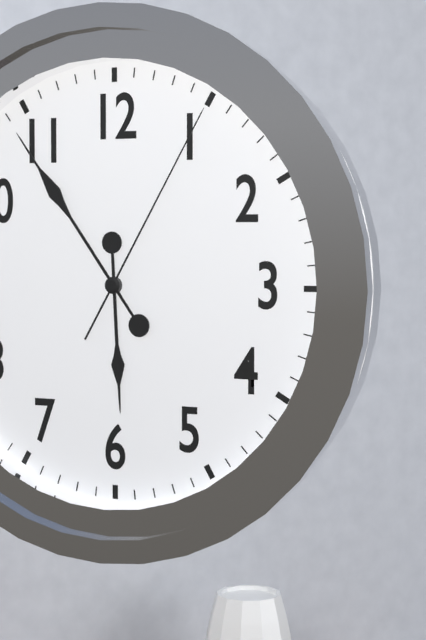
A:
5,54,05
